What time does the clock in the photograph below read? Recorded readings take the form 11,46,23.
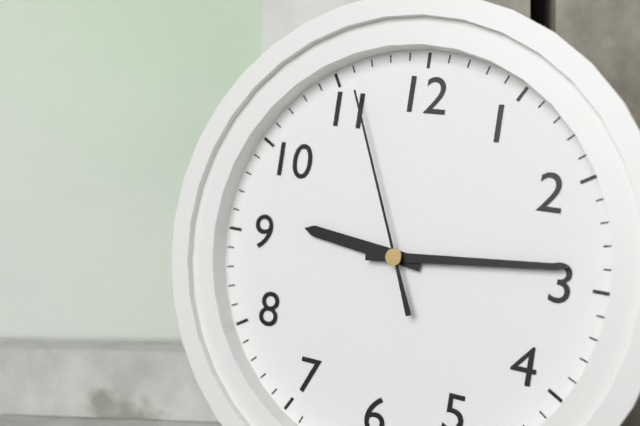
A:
9,14,56
